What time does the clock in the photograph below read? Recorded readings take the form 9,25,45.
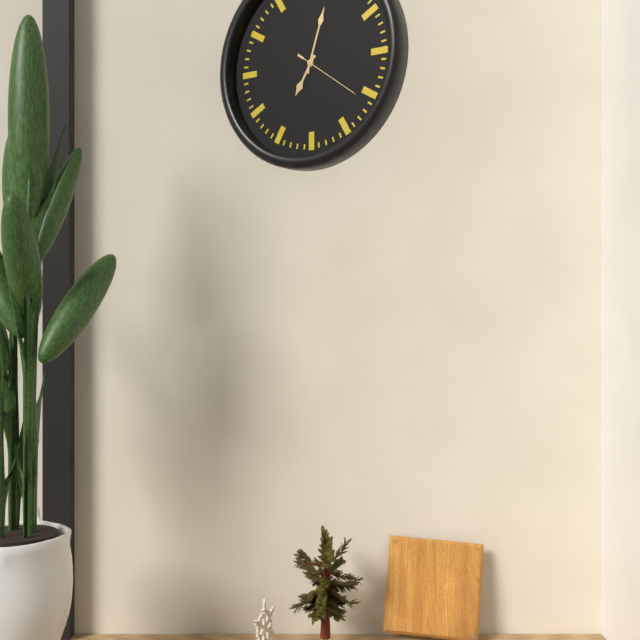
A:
7,03,21
